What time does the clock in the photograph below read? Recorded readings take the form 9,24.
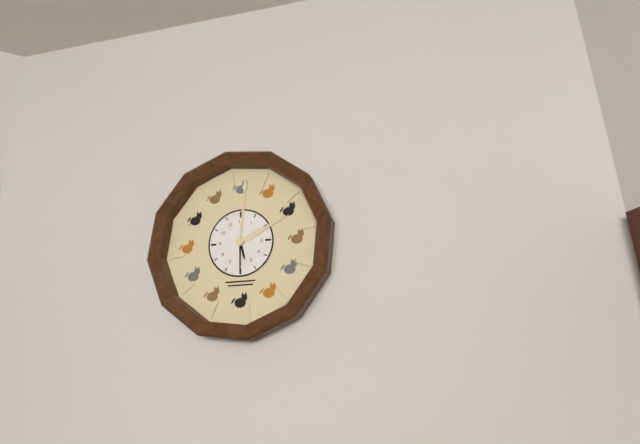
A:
5,30
